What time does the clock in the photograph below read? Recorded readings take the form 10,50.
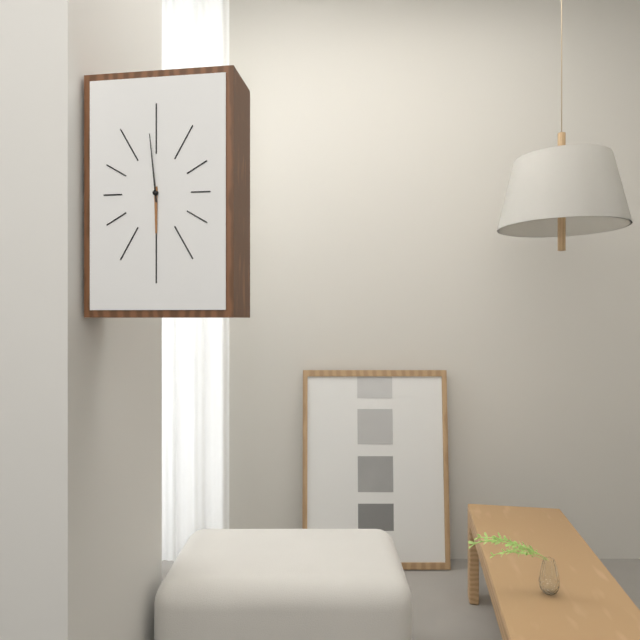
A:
5,59
